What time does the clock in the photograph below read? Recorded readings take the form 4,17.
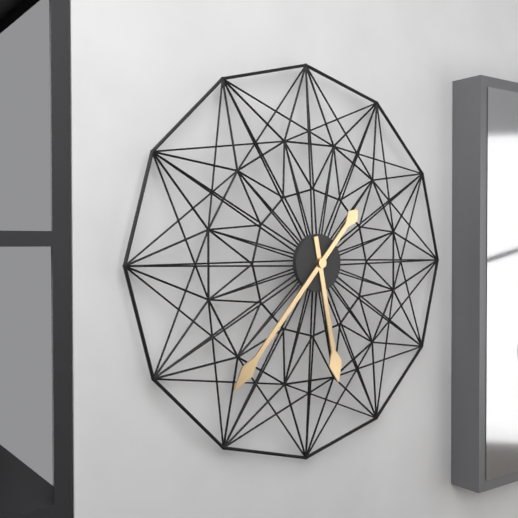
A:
5,37
